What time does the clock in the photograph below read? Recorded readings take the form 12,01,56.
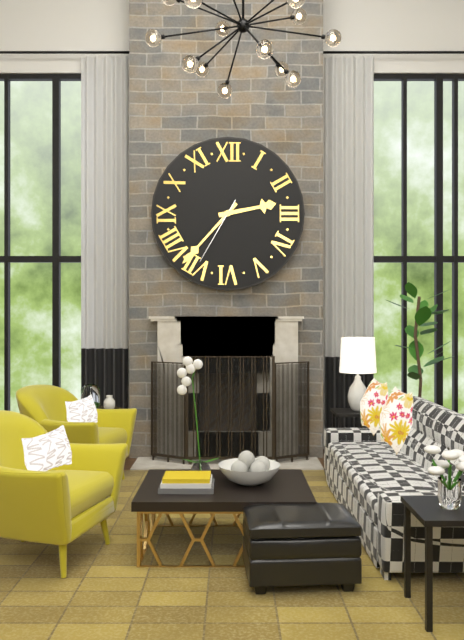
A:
2,37,35
